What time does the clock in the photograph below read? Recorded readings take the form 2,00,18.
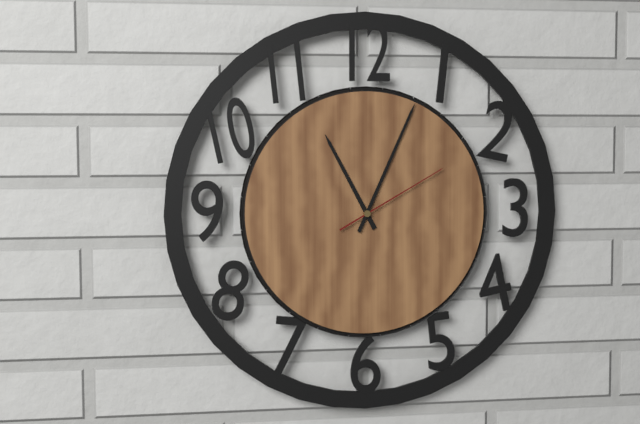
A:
11,04,10
